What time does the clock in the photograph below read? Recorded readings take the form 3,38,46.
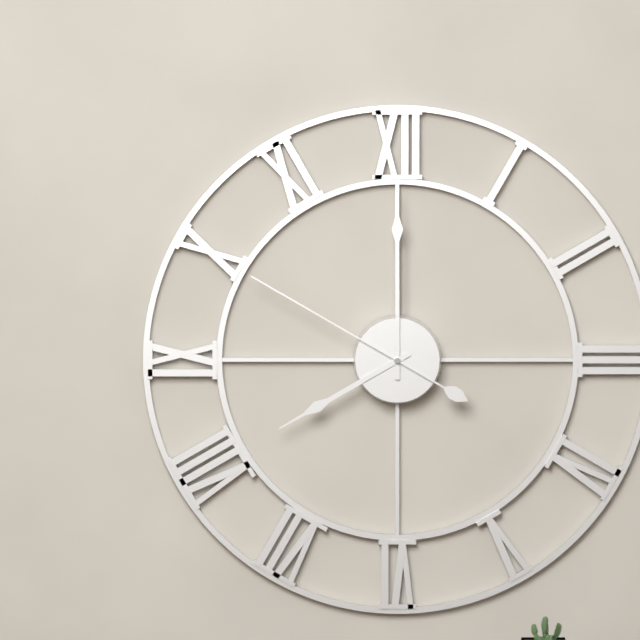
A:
8,00,50
